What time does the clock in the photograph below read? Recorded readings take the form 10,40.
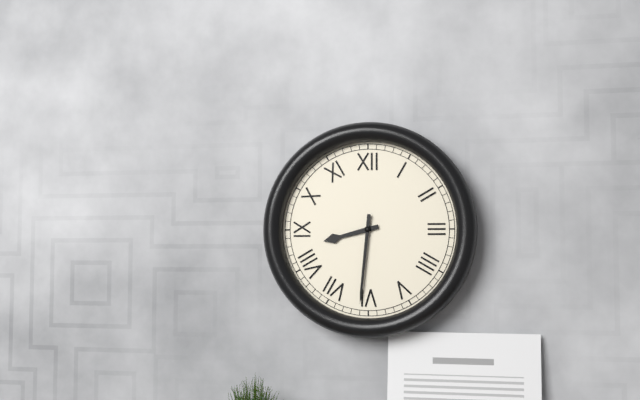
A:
8,31
